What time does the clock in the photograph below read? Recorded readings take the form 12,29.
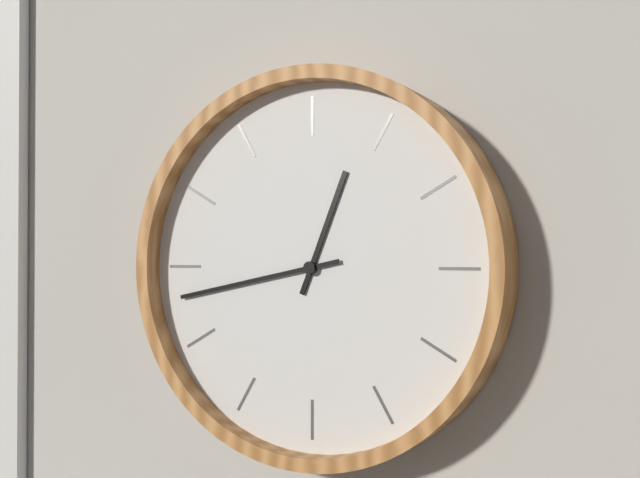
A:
12,43
